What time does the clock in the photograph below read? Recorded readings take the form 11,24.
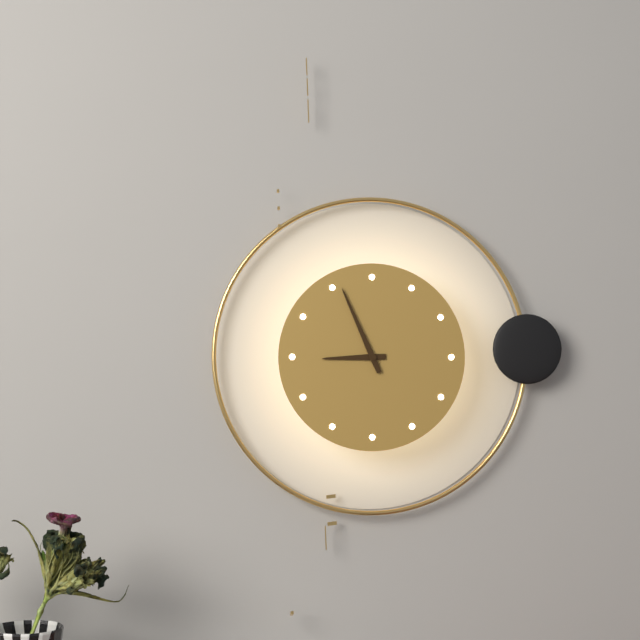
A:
8,56
